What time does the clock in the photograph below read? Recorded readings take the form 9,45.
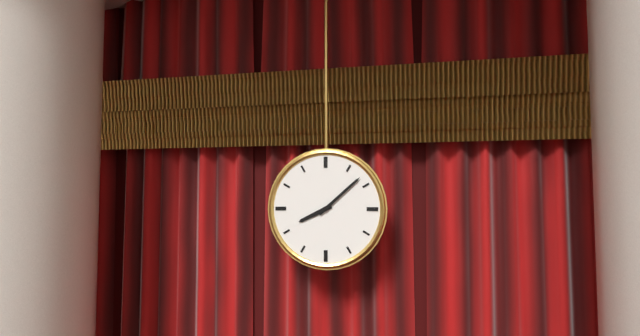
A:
8,08
